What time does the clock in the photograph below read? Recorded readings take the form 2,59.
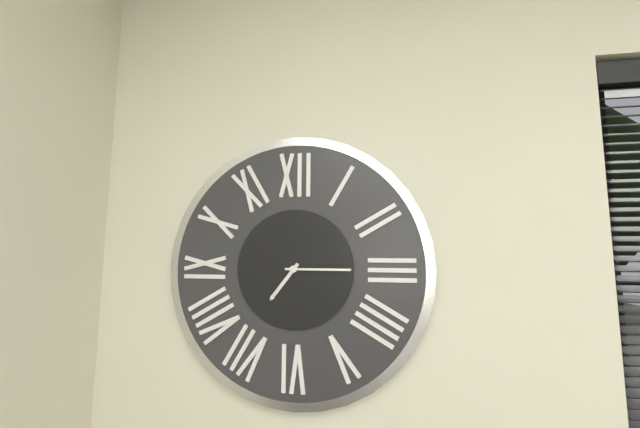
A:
7,15
